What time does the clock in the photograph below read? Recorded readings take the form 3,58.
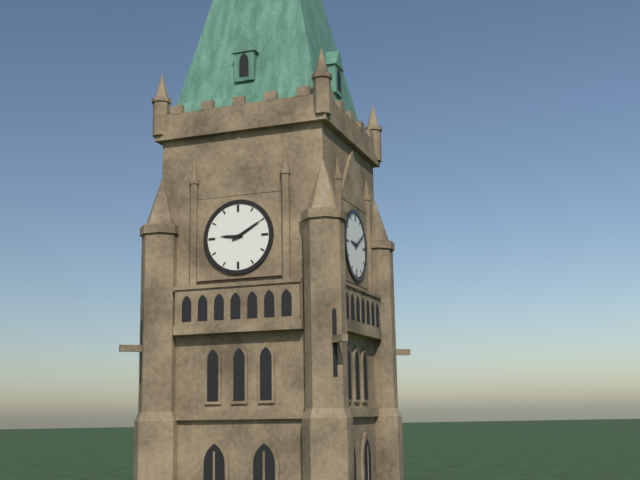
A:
9,10
